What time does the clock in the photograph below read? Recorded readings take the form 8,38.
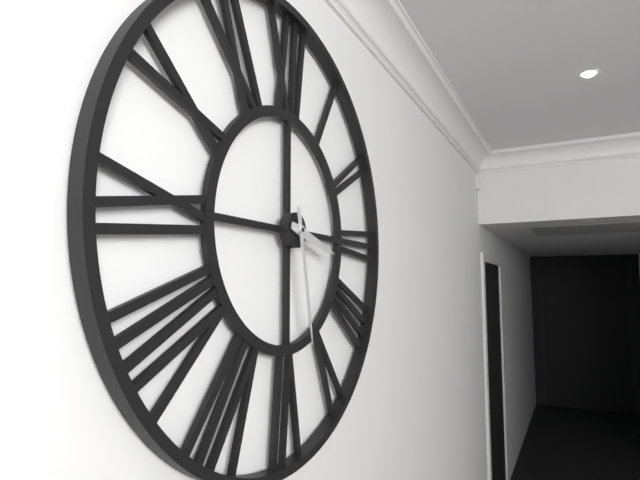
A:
3,28
